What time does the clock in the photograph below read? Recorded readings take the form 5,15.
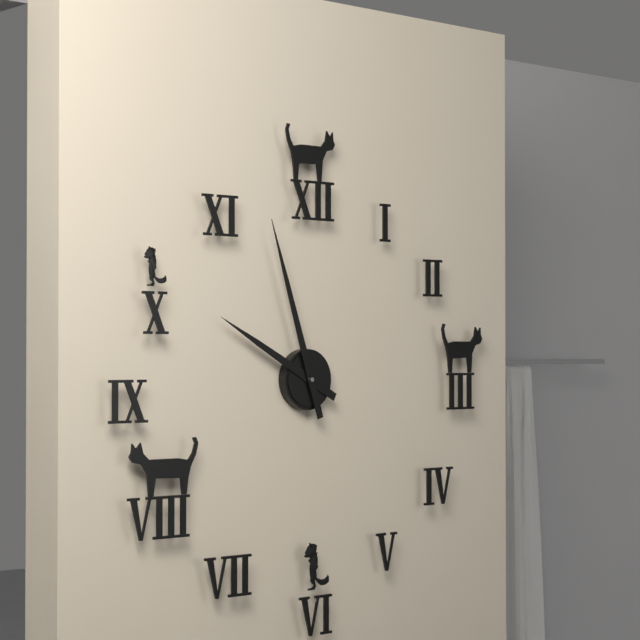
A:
9,57
